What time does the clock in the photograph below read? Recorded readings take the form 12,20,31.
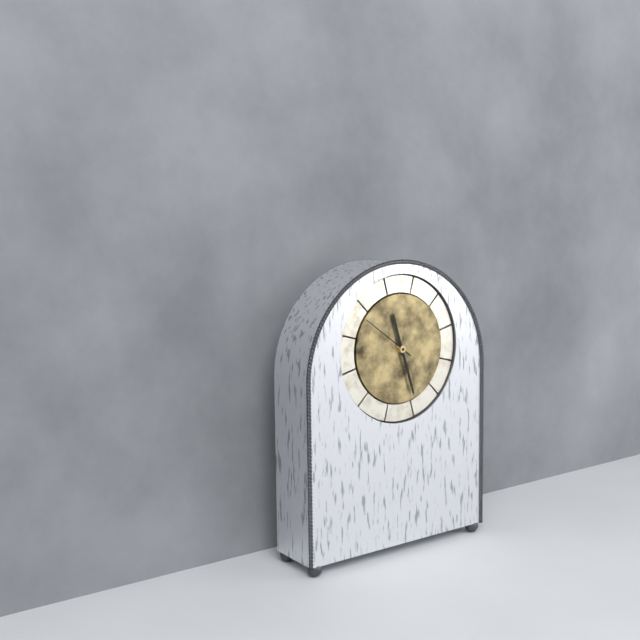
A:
11,27,51
